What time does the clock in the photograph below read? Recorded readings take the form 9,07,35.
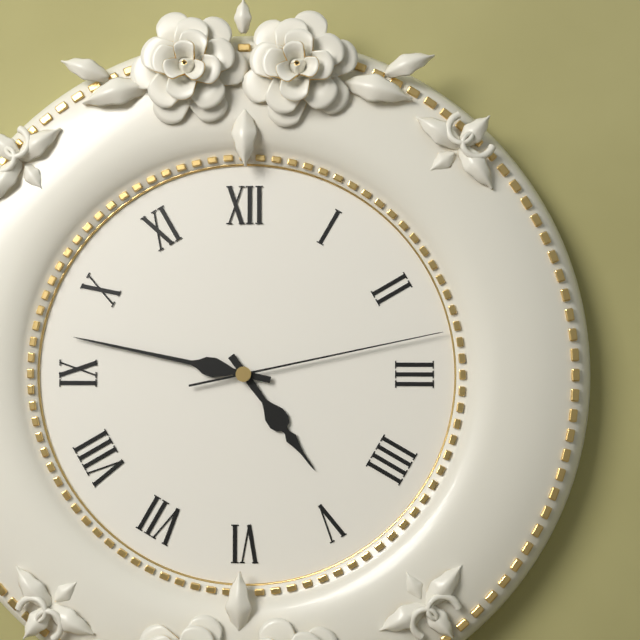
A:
4,47,13
